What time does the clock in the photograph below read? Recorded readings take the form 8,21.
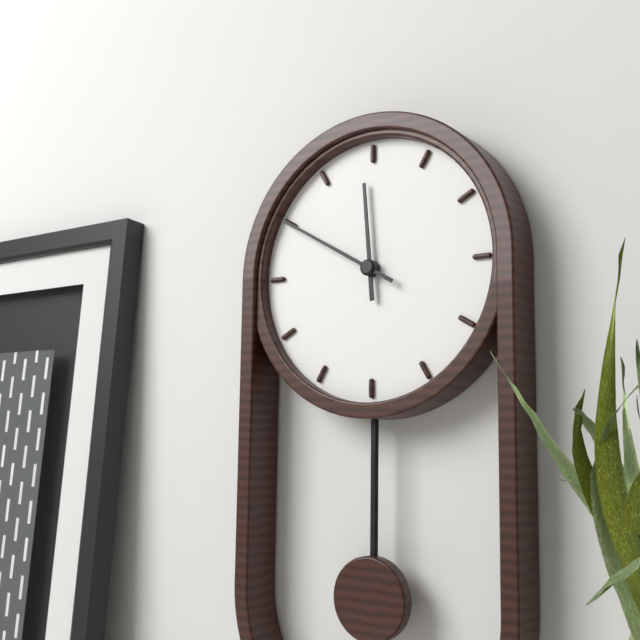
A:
11,50
